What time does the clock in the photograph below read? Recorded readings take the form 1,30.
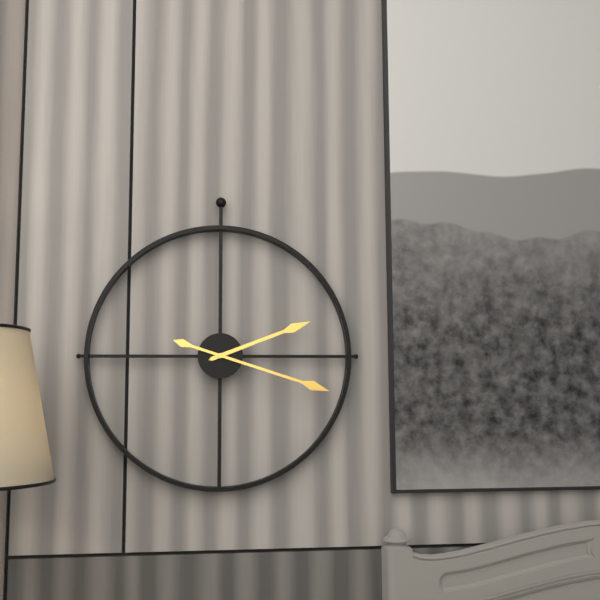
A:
2,18
